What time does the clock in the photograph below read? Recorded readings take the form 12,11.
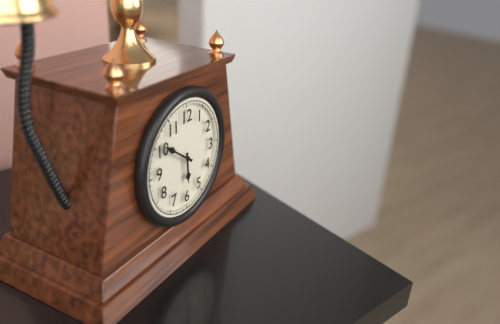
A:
5,51
